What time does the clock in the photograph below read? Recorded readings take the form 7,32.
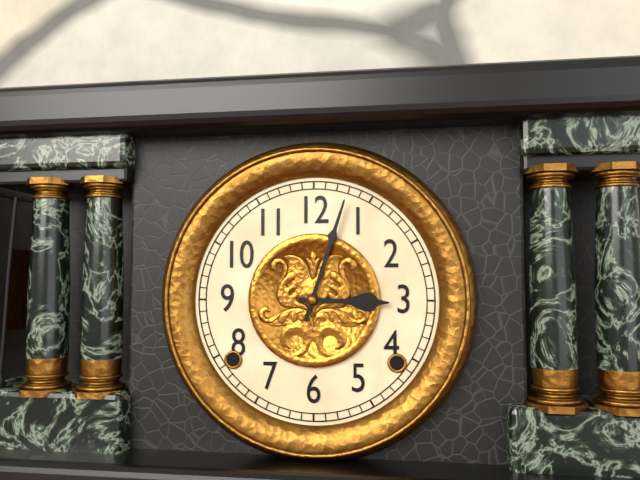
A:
3,03
